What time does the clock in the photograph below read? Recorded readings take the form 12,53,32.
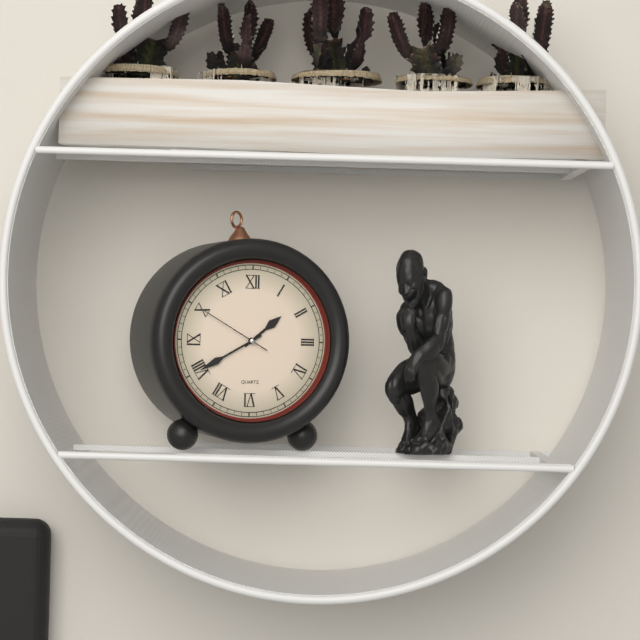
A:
1,40,50
